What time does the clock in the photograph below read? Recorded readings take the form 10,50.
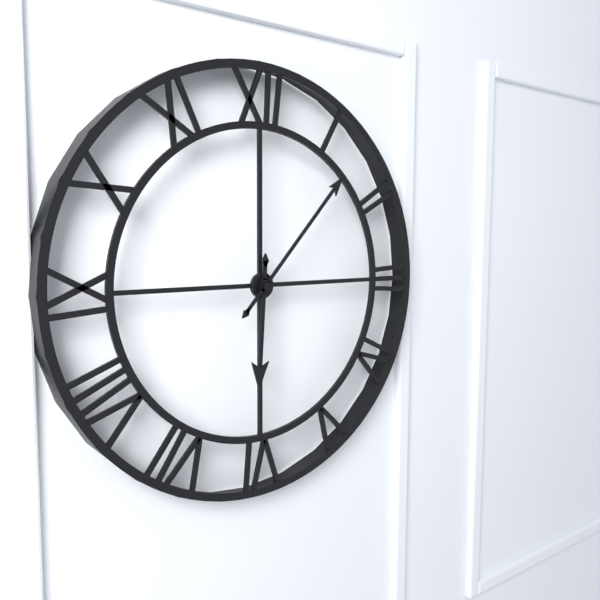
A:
6,07
